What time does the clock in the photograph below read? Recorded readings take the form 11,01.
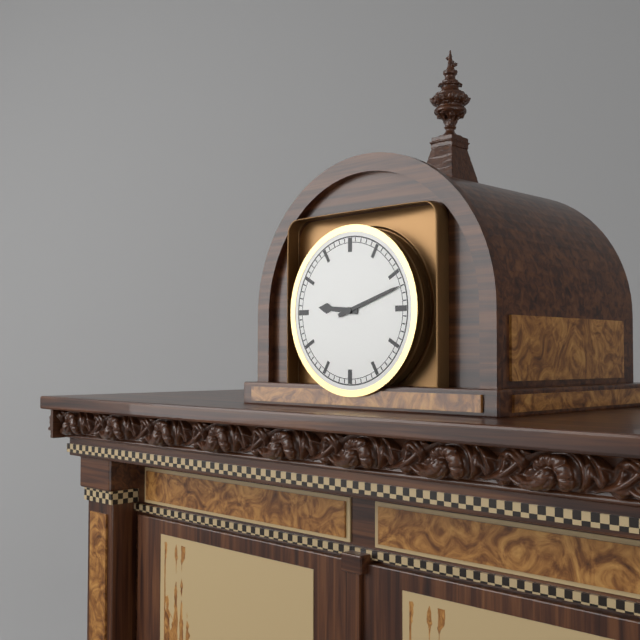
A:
9,12
